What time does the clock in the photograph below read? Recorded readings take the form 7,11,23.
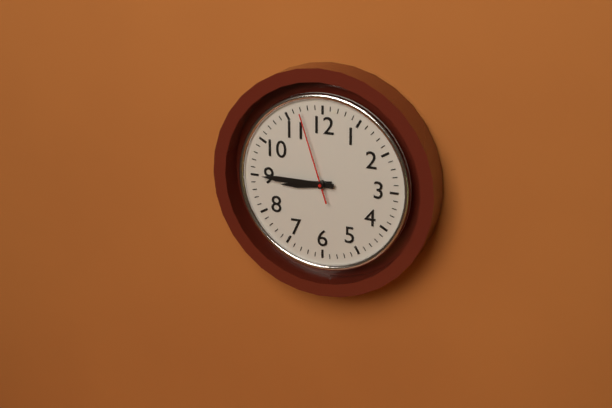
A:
8,45,57
